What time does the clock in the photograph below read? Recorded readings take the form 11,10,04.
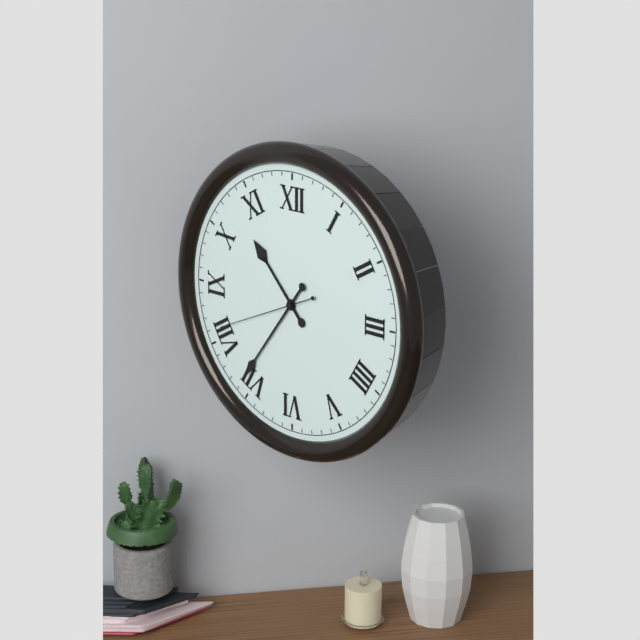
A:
10,36,41
